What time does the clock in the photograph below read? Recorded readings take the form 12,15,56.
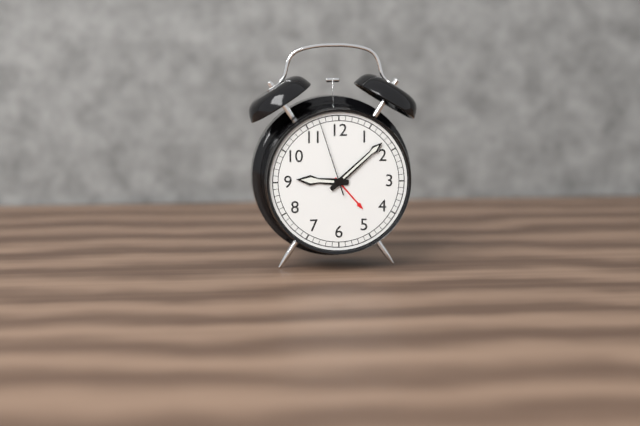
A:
9,08,57
